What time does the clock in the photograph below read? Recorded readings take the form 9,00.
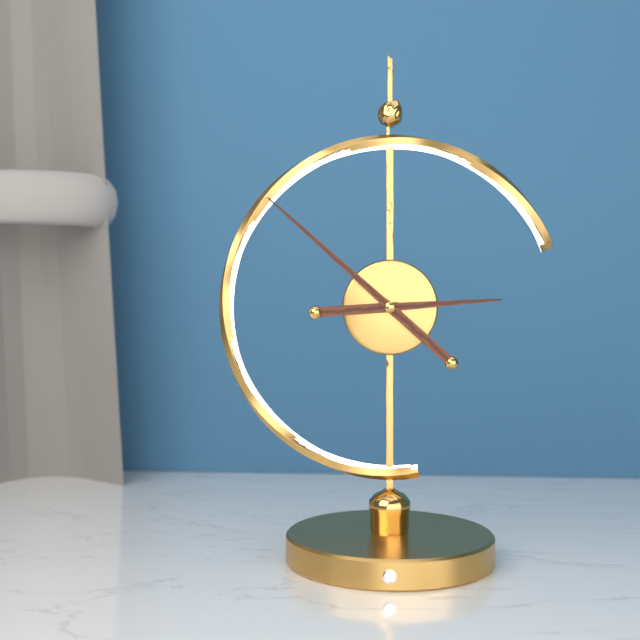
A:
2,52
